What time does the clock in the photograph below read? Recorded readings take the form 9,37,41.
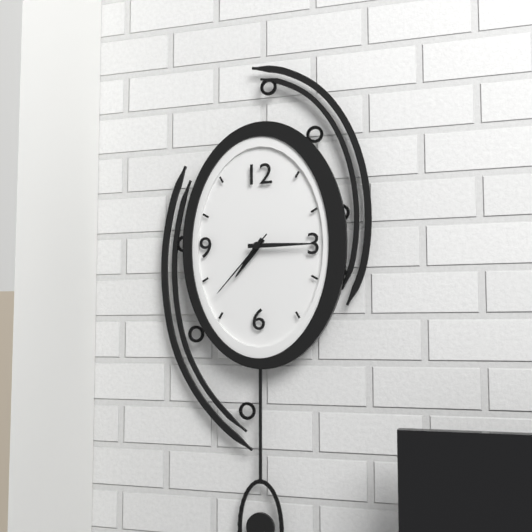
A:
7,15,37
